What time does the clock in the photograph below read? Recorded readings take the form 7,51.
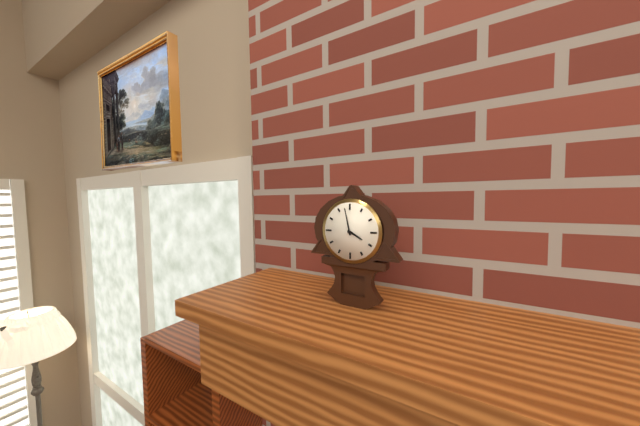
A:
3,58
